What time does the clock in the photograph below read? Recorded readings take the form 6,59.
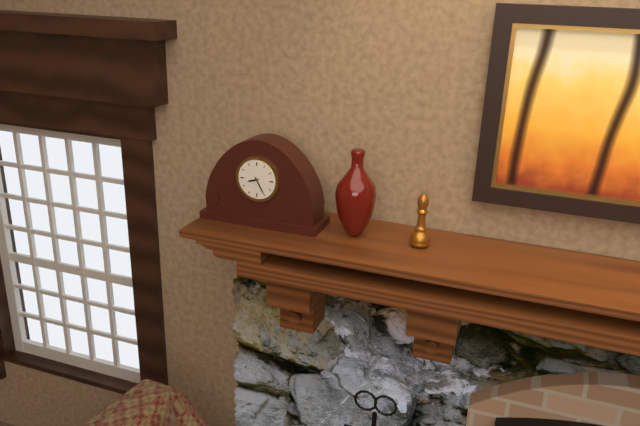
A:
8,25
